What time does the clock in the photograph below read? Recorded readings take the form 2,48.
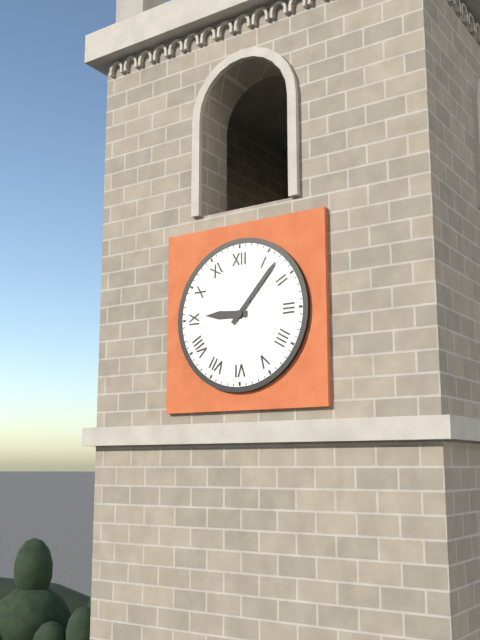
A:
9,07
